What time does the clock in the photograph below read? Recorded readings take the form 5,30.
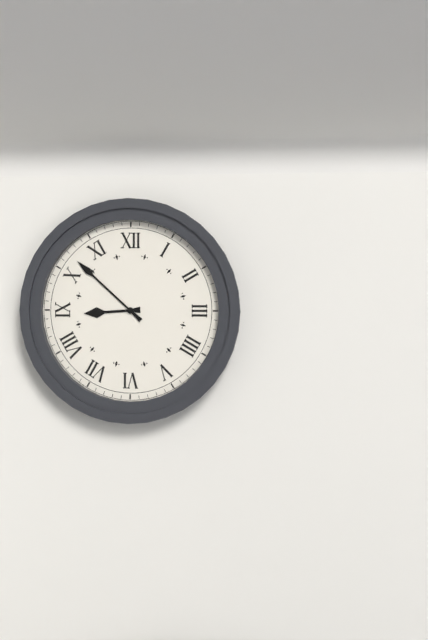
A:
8,52
